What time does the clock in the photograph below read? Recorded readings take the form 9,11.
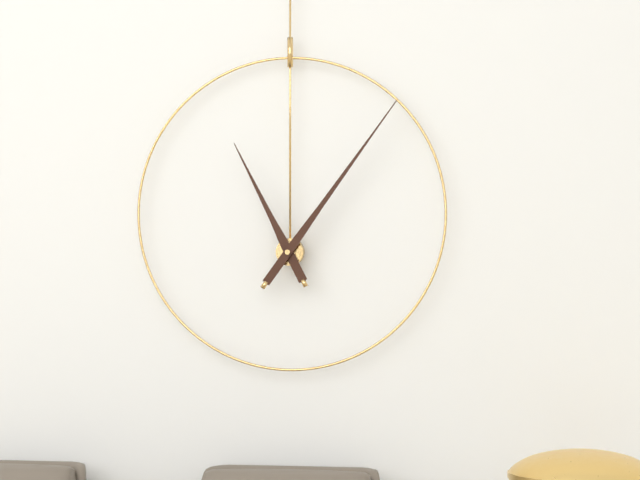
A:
11,06
